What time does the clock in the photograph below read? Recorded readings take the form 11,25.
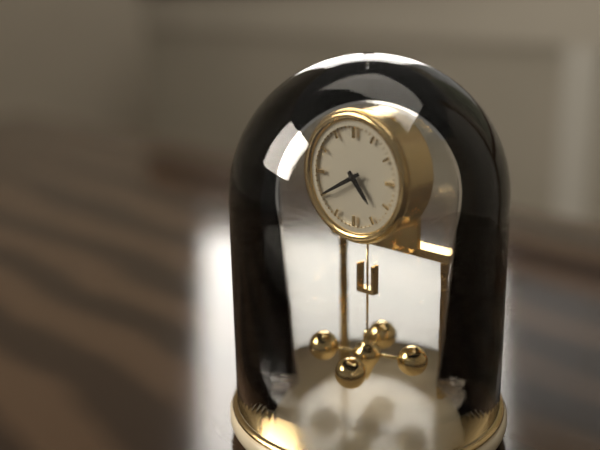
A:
4,40
